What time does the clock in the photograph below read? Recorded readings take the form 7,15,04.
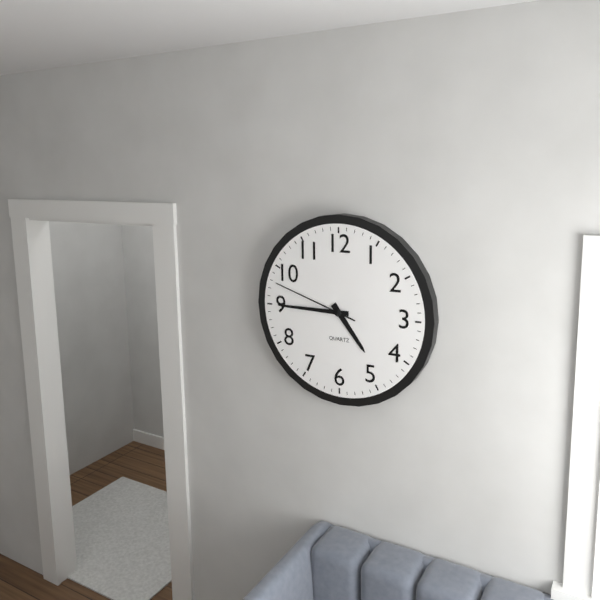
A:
4,45,48
